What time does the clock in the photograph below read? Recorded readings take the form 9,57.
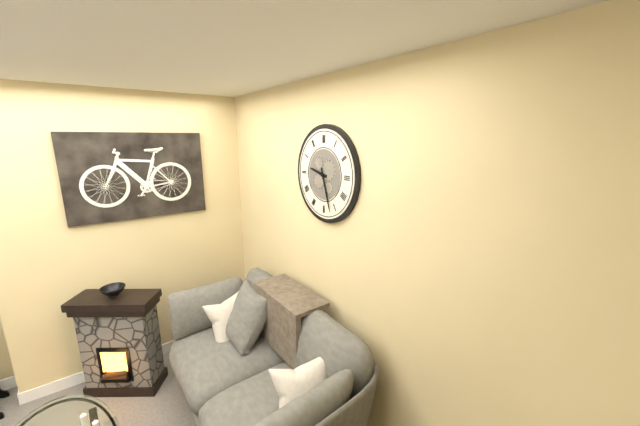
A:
9,27
